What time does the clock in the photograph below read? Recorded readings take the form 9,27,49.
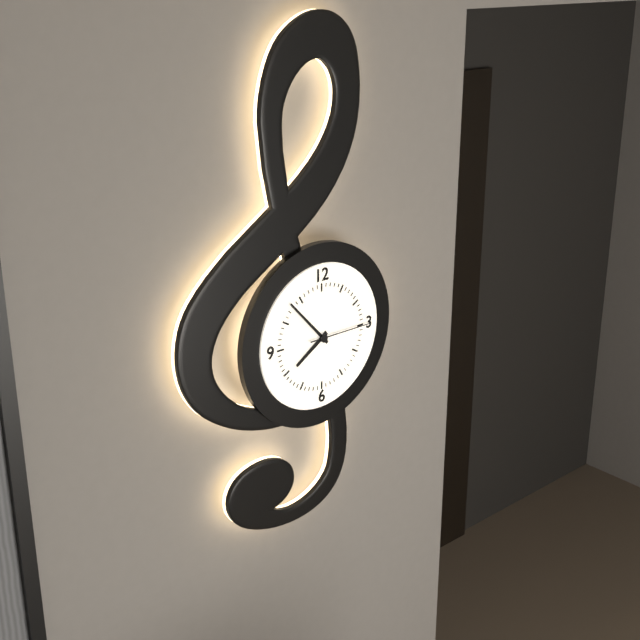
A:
7,53,15
